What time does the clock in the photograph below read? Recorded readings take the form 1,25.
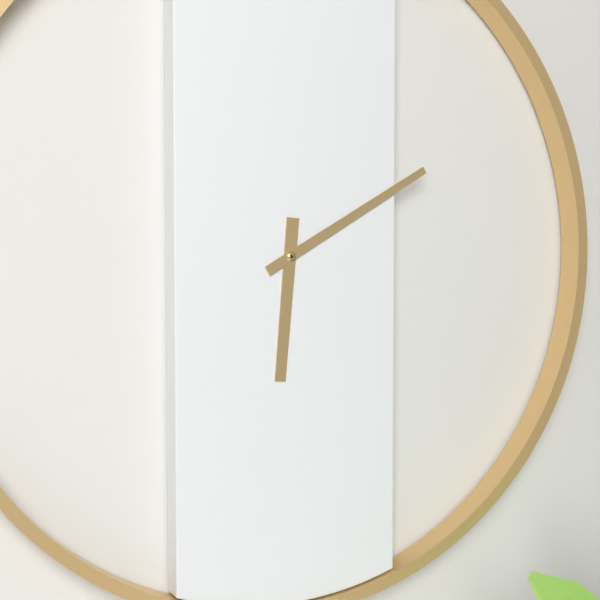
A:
6,10
